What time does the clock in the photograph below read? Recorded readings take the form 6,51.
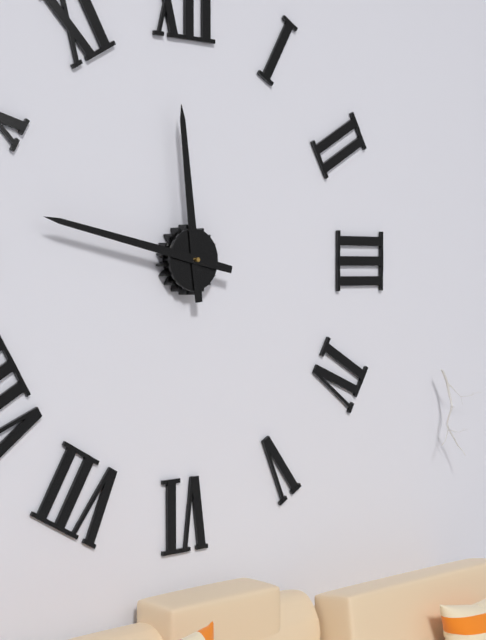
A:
11,47
